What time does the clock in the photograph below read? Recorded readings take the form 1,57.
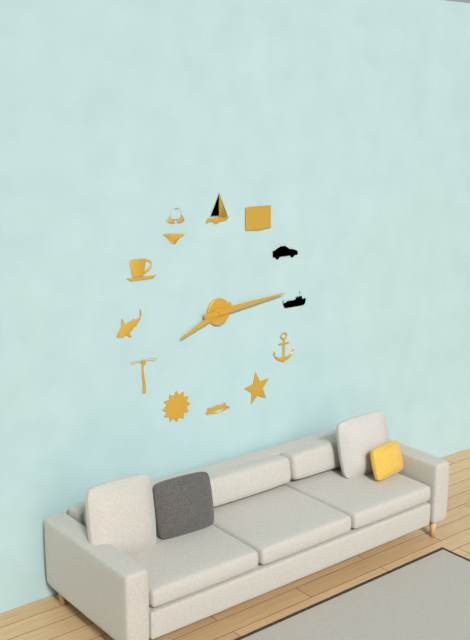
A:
8,14
